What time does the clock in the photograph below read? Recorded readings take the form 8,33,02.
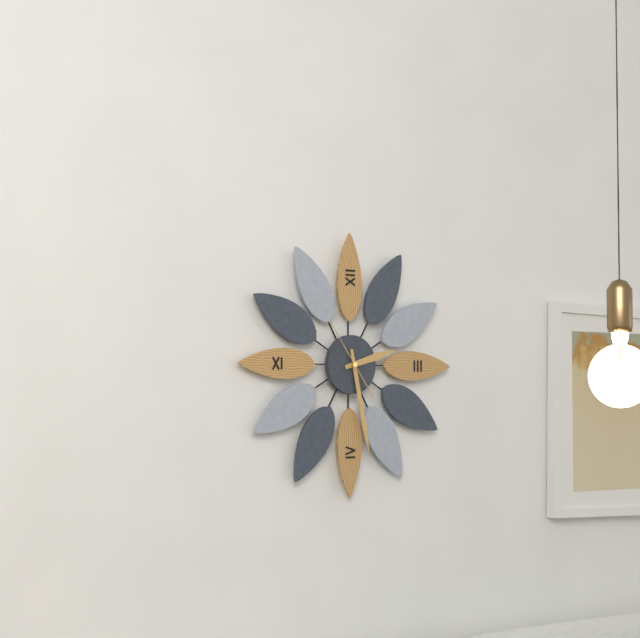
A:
2,28,54
